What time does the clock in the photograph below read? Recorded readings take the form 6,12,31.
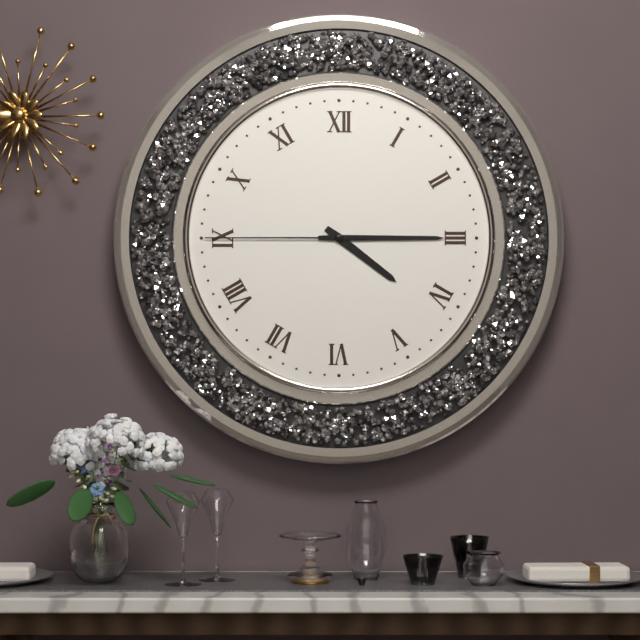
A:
4,15,45
